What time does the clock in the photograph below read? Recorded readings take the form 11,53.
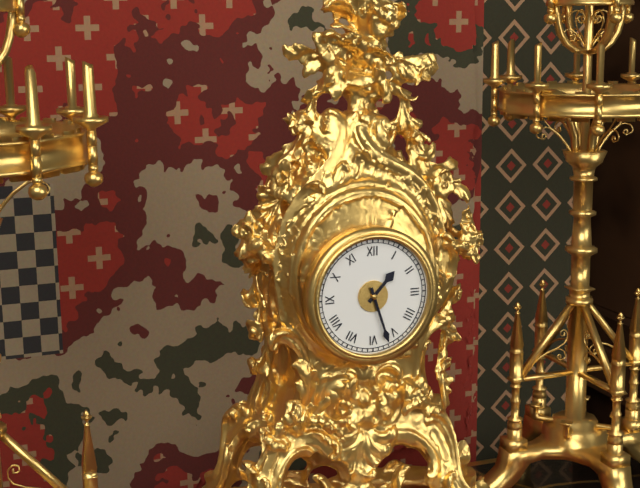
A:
1,27
